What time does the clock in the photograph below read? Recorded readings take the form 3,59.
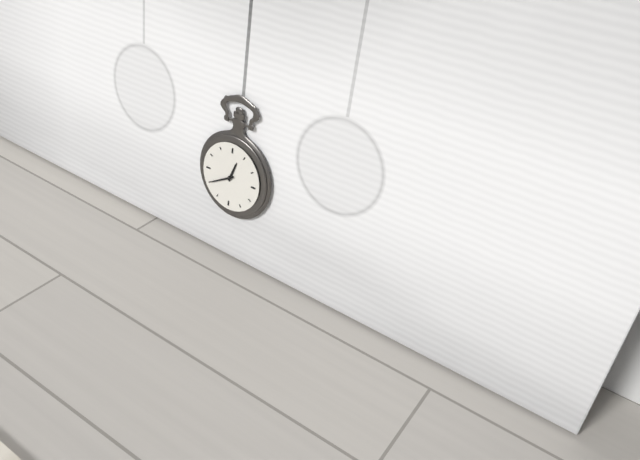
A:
12,40
